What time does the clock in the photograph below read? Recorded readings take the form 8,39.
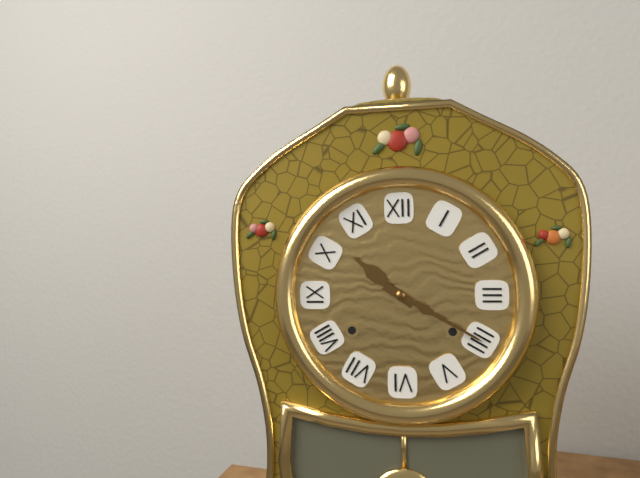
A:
10,20
